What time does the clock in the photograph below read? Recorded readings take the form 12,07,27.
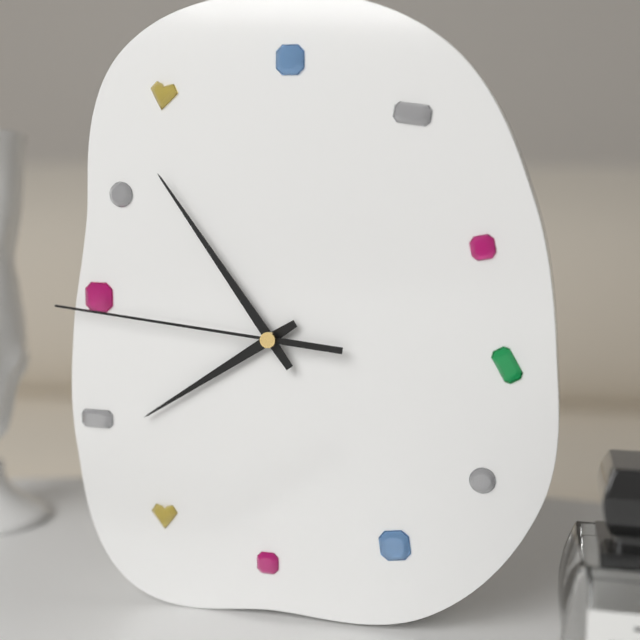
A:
7,54,46
